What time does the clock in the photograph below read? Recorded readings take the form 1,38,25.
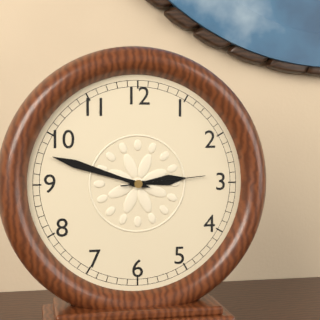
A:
2,48,14
